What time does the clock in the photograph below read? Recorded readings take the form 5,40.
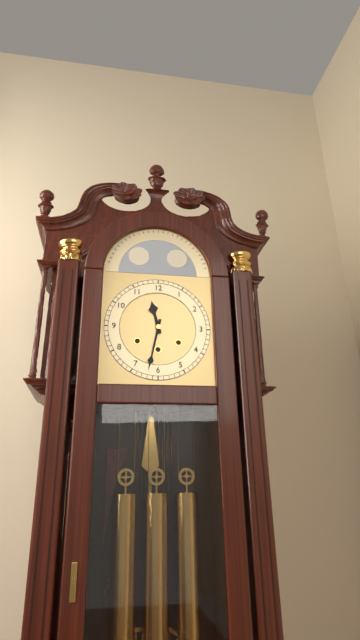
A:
11,32
